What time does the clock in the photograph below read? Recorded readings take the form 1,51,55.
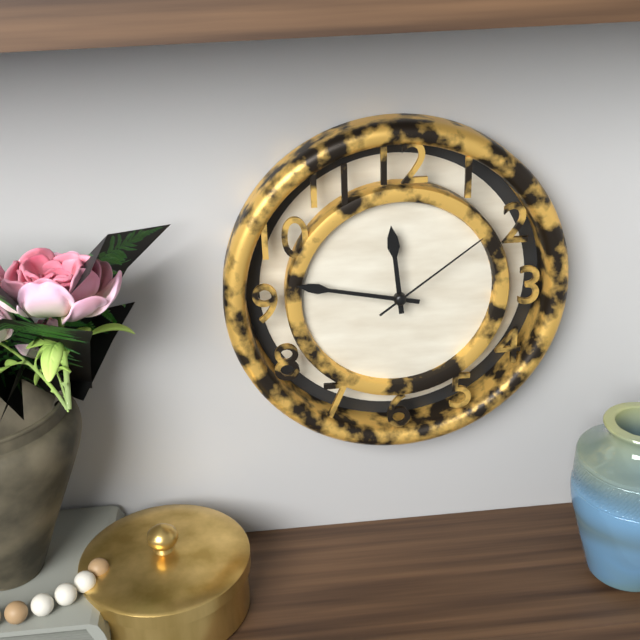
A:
11,47,09
